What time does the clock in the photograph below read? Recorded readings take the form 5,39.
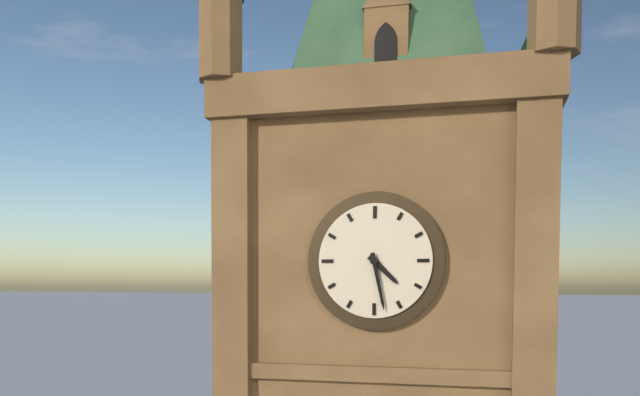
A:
4,28
